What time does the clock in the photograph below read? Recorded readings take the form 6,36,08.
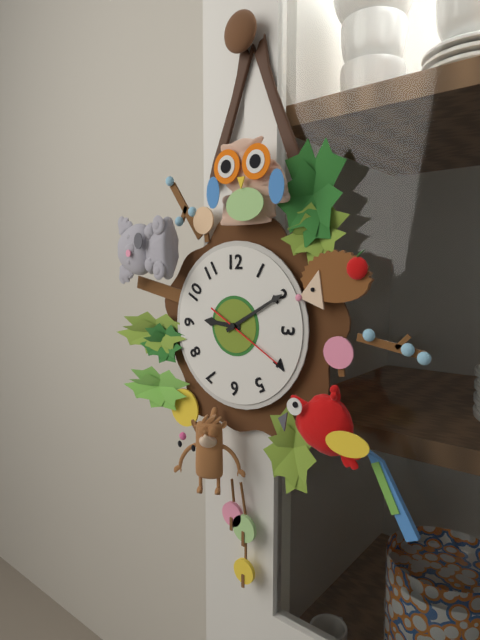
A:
9,10,20
